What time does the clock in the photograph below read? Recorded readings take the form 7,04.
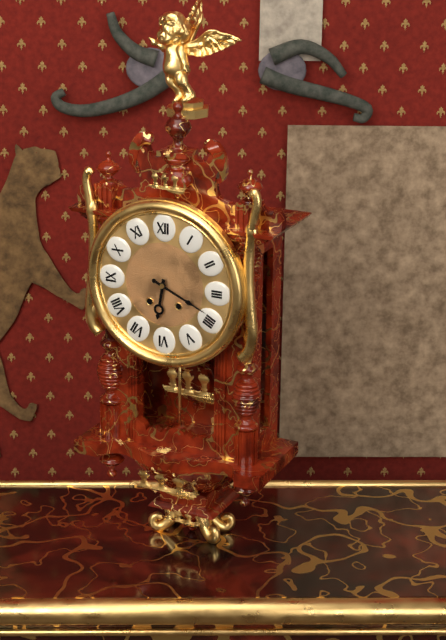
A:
6,19
